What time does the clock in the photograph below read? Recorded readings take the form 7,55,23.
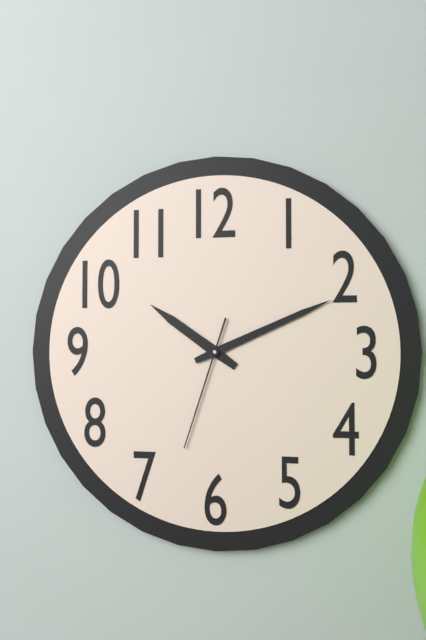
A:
10,11,33
